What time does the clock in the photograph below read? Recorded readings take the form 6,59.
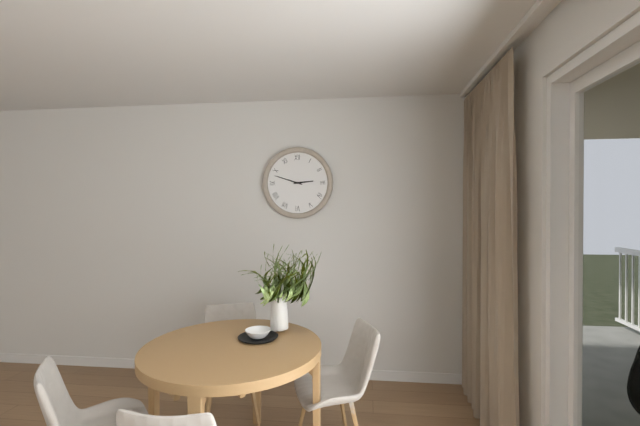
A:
2,48
